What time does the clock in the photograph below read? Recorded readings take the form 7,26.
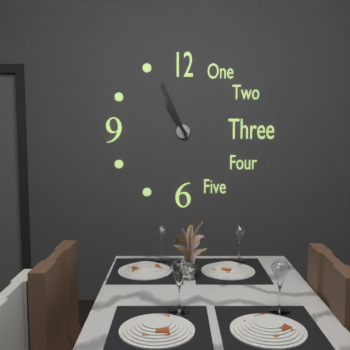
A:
10,56
